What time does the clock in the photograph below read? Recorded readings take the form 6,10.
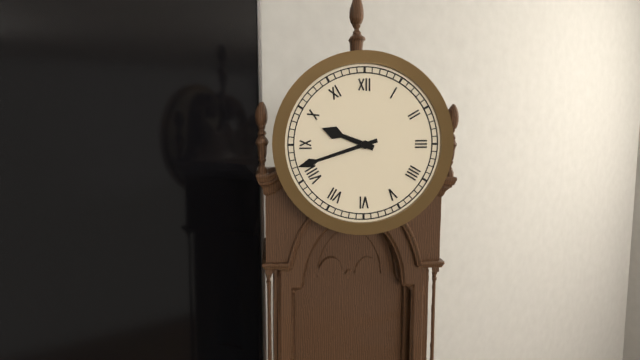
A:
9,42
